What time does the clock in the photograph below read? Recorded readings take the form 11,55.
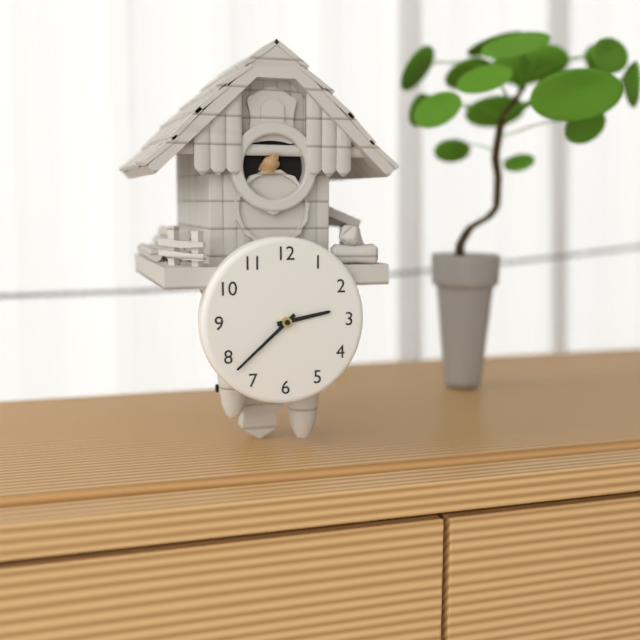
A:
2,38
